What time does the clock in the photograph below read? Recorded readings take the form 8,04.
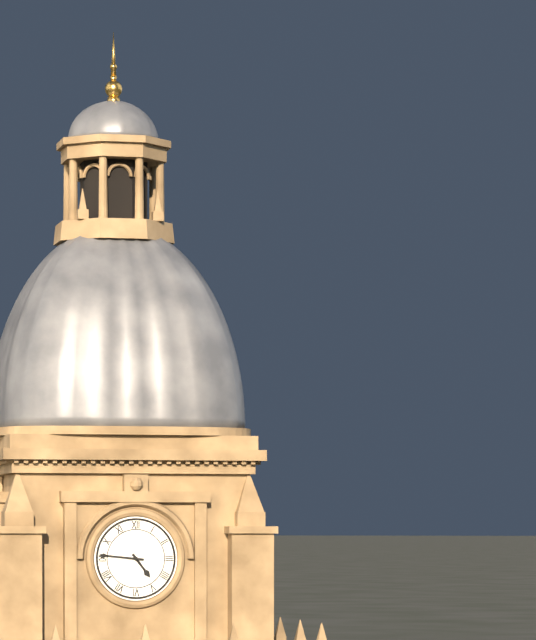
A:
4,46
